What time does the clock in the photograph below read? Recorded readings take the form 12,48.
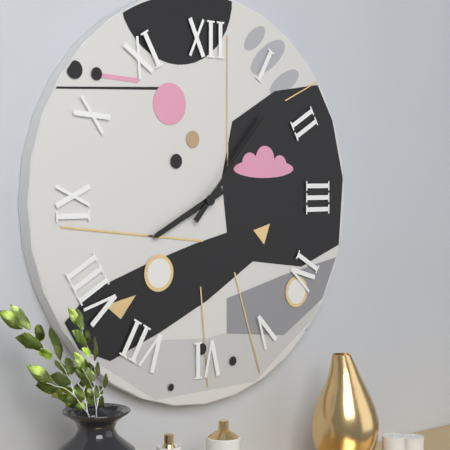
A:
8,07
